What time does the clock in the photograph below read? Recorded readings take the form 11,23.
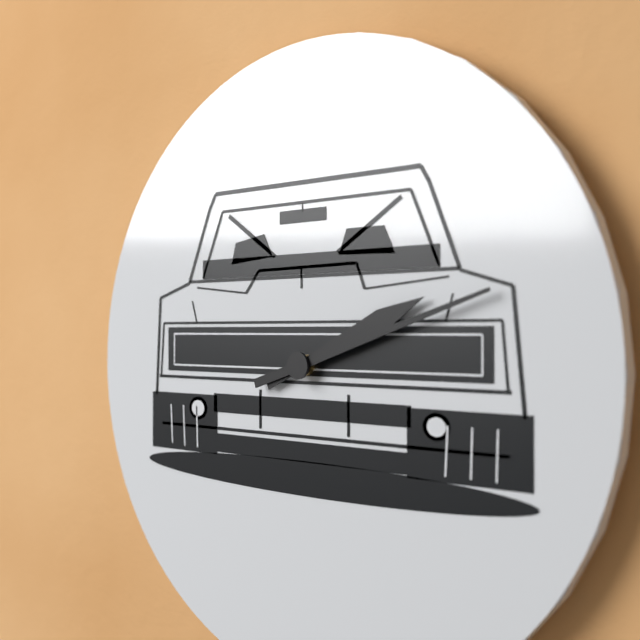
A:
2,12
